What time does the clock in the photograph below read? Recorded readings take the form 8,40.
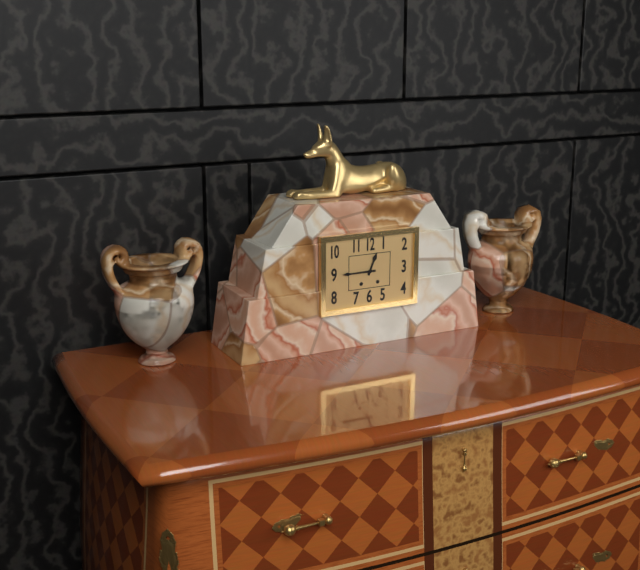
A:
12,45
